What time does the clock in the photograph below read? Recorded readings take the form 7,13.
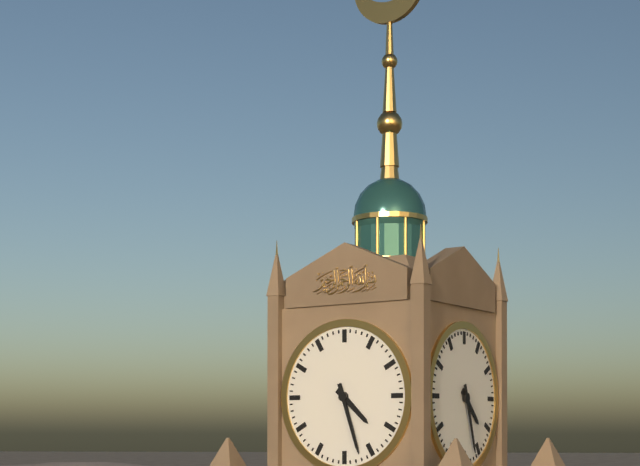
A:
4,27
